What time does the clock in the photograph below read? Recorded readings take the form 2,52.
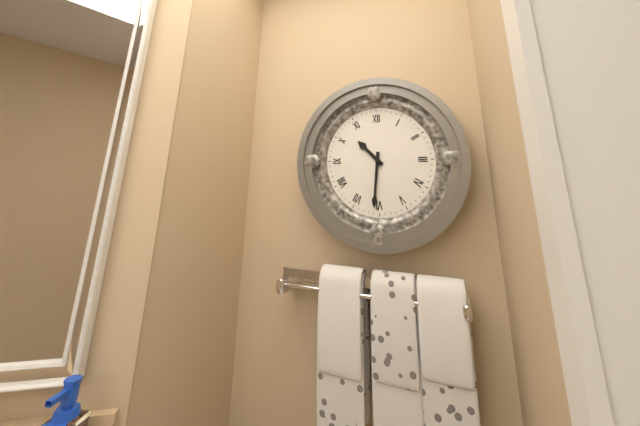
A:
10,31
